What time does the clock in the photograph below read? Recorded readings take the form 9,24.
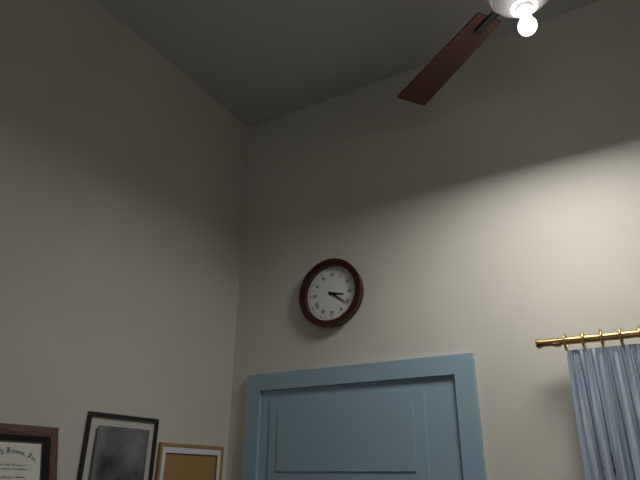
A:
3,21
